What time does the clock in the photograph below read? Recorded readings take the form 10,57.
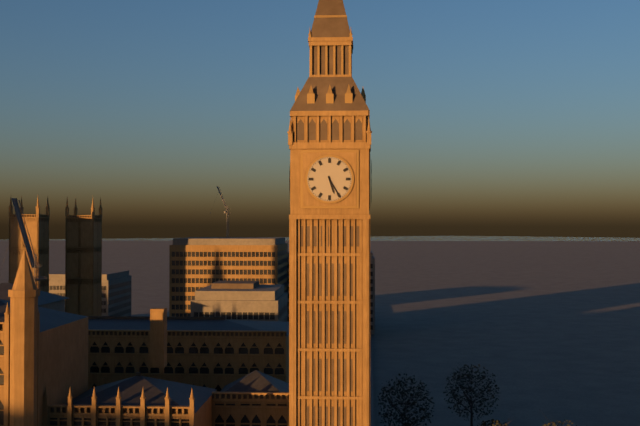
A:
5,25
